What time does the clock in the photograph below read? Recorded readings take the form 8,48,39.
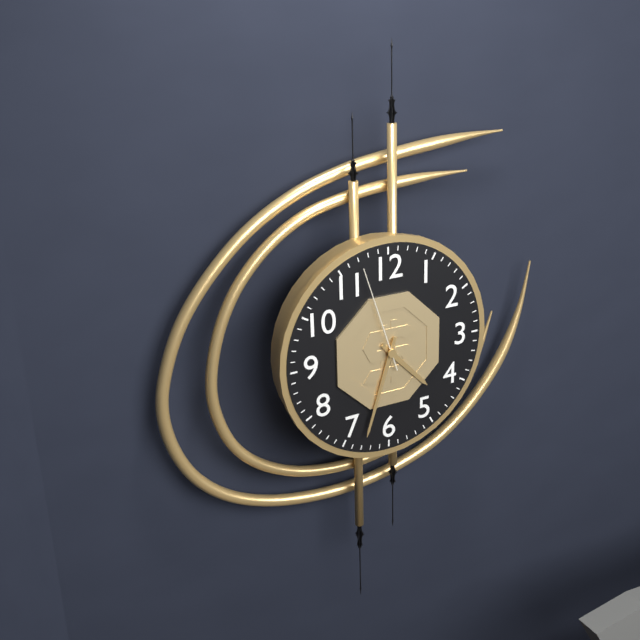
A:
4,33,57
